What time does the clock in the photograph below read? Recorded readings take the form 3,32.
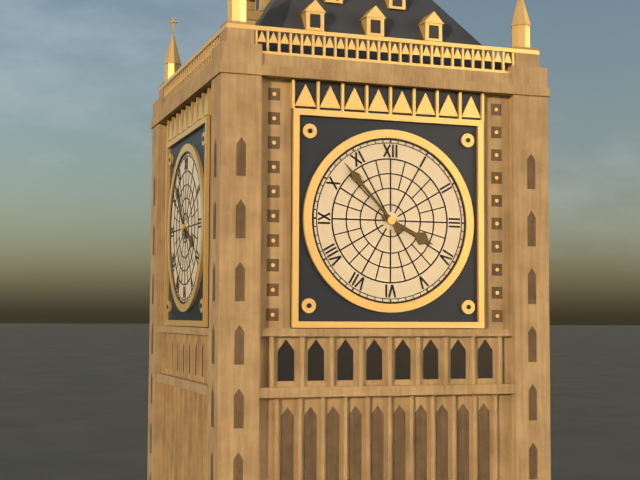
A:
3,53
